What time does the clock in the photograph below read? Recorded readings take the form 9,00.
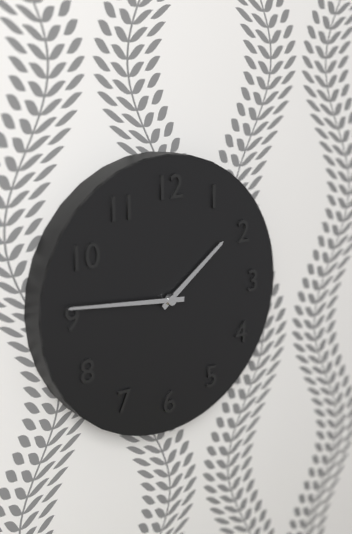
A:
1,46
